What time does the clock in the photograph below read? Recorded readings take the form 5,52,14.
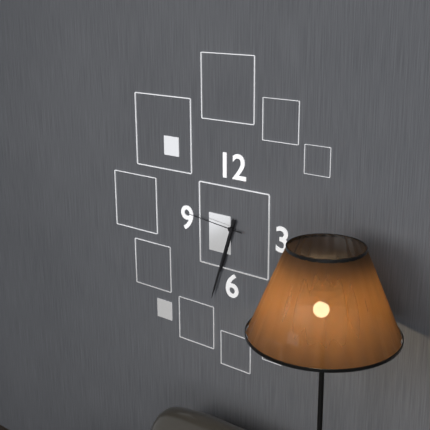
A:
6,33,46
